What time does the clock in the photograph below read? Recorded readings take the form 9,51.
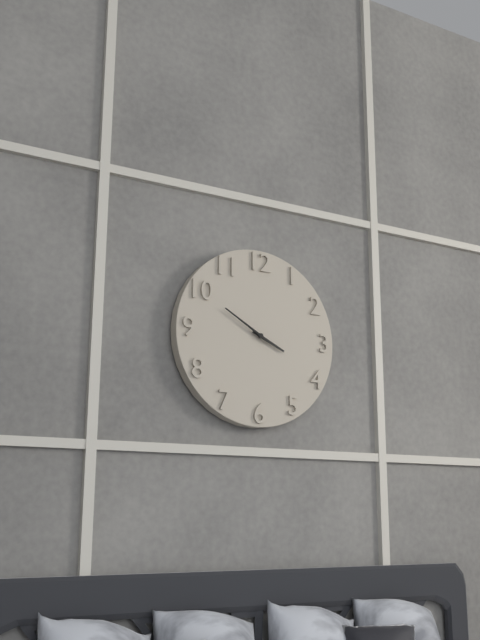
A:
3,50
